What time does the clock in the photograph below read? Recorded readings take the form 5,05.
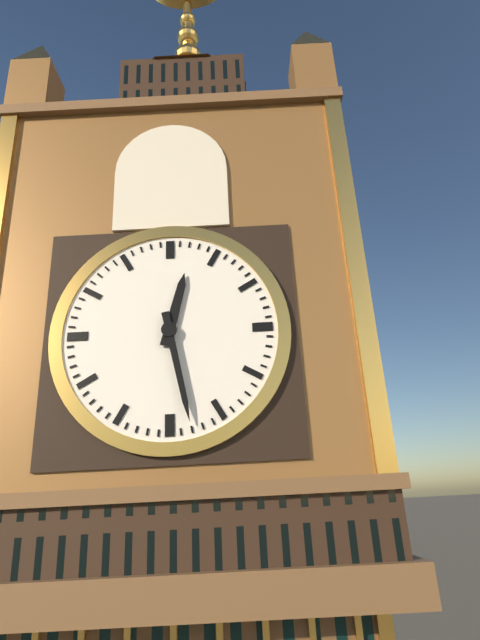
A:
12,28
